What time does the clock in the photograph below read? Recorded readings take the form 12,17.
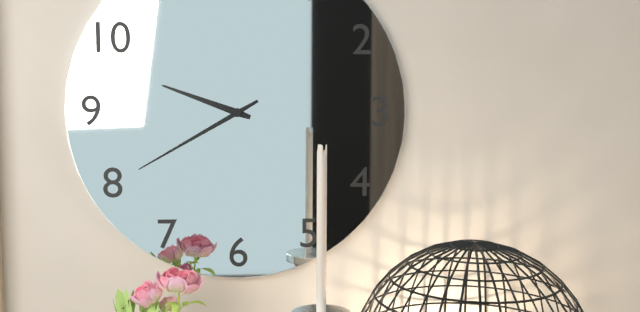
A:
9,40
